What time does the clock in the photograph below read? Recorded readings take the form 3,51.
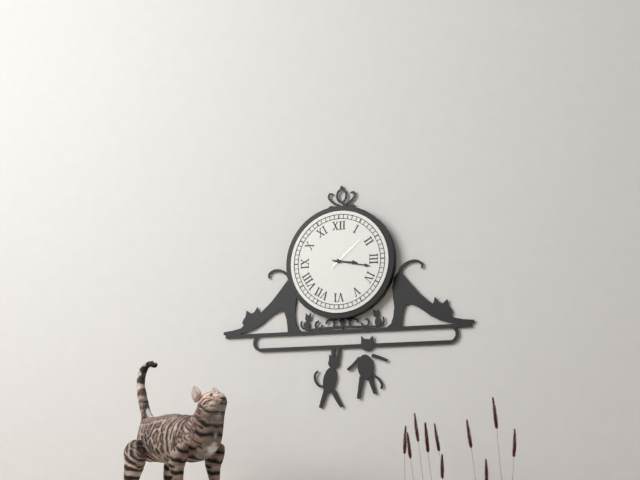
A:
3,17
